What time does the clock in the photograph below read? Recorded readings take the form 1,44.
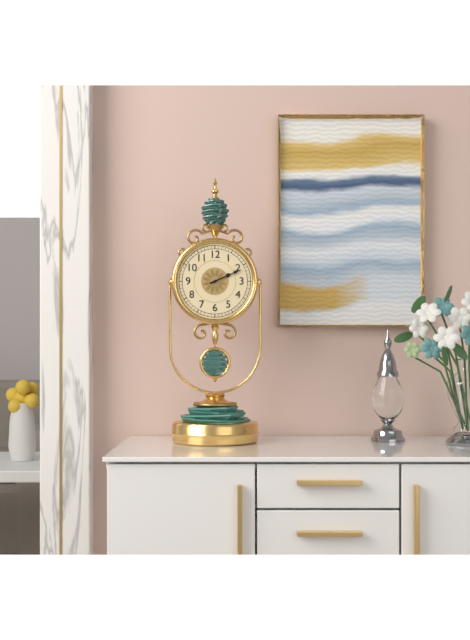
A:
2,11
